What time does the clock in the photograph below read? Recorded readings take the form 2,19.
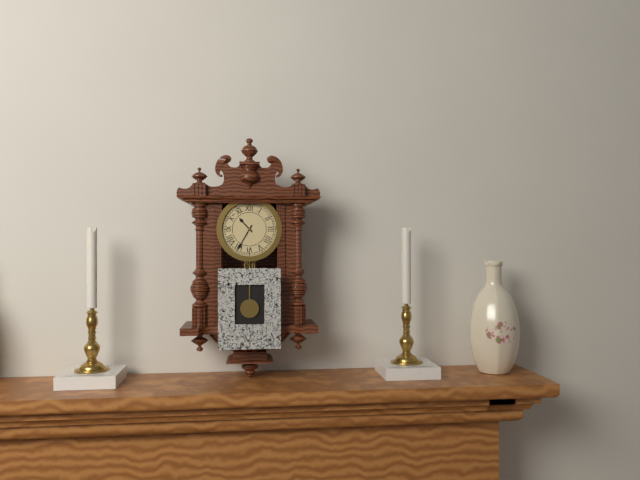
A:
10,35
